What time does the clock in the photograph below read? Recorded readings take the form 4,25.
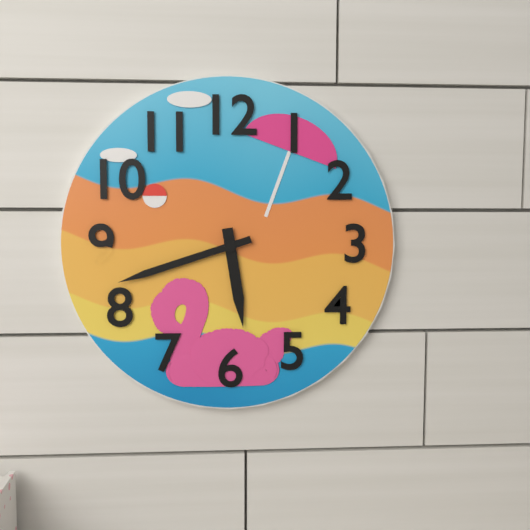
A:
5,42
